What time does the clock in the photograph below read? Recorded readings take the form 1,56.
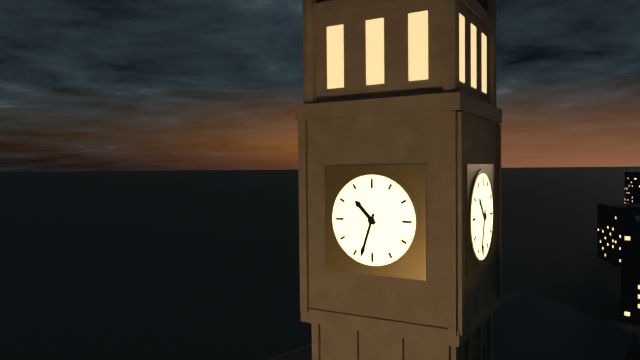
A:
10,33
